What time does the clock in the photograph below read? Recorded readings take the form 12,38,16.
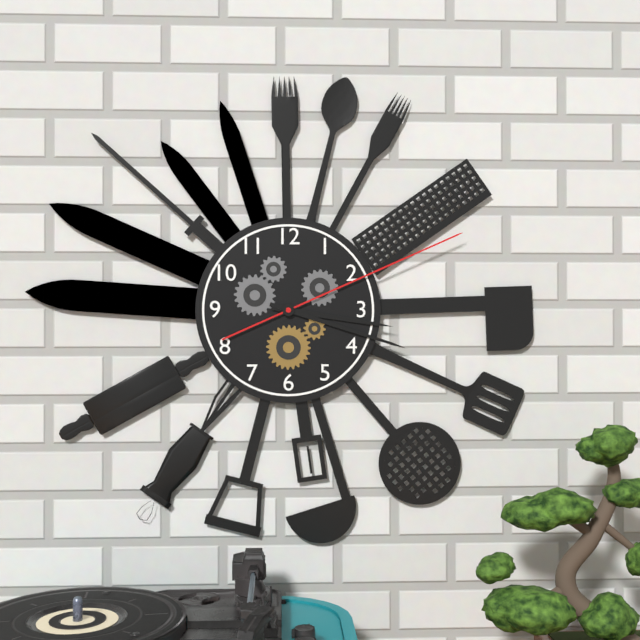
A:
3,18,11
